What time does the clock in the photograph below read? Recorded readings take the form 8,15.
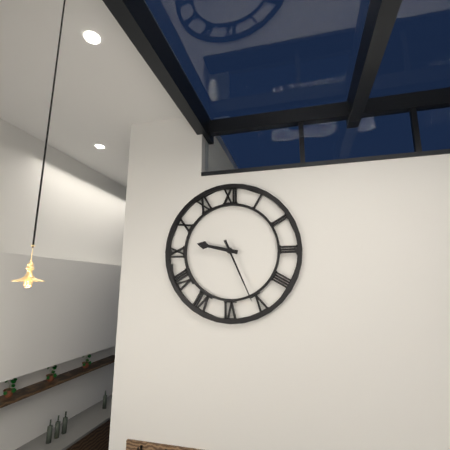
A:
9,26
